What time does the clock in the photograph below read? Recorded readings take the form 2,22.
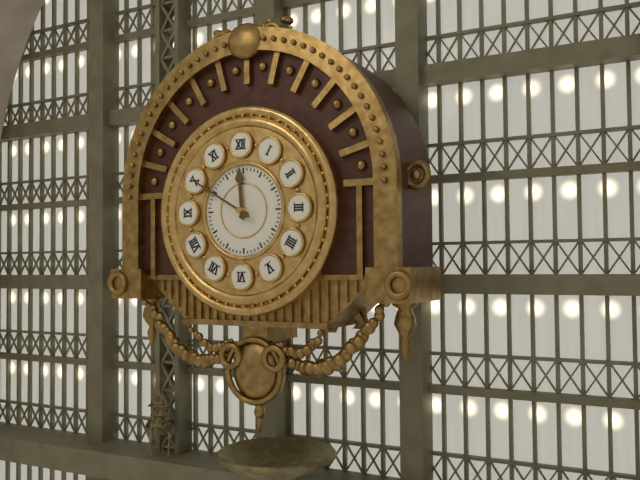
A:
11,50
